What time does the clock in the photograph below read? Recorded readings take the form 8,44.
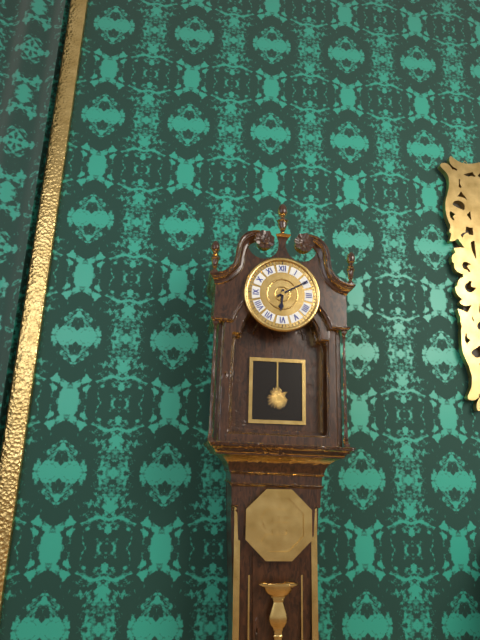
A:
6,10
